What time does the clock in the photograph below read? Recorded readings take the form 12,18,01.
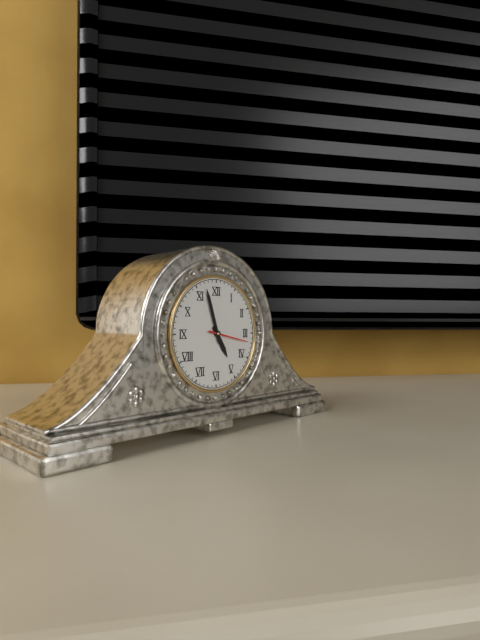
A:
4,57,17
